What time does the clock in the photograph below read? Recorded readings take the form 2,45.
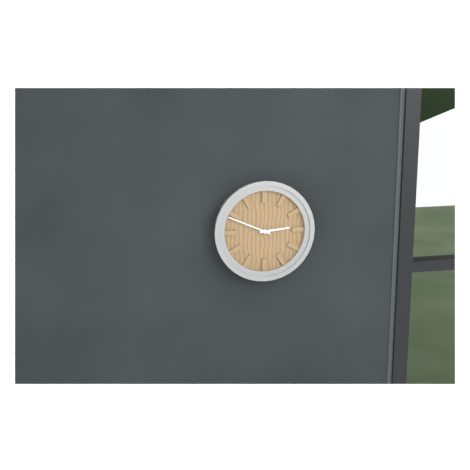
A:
2,49
